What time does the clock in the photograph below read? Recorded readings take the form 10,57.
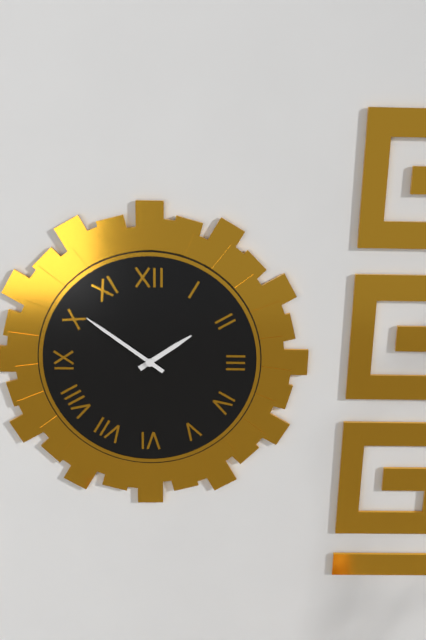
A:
1,51
